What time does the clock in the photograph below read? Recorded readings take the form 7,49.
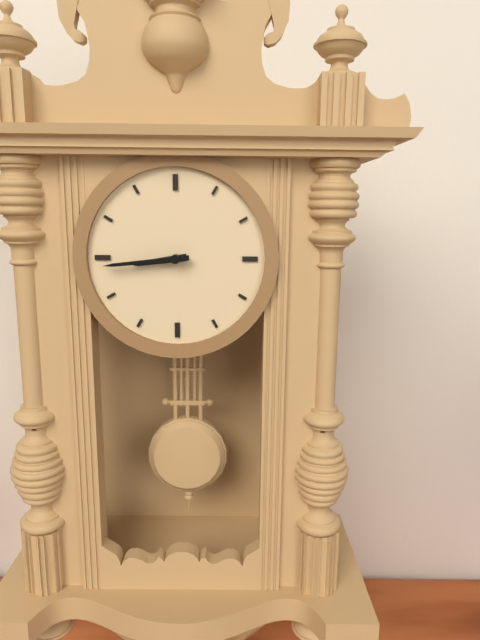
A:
8,44
